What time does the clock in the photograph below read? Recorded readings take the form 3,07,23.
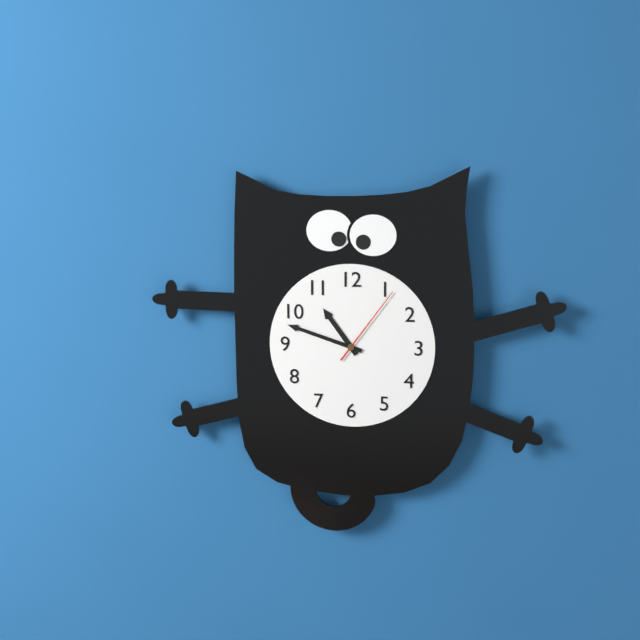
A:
10,48,06
